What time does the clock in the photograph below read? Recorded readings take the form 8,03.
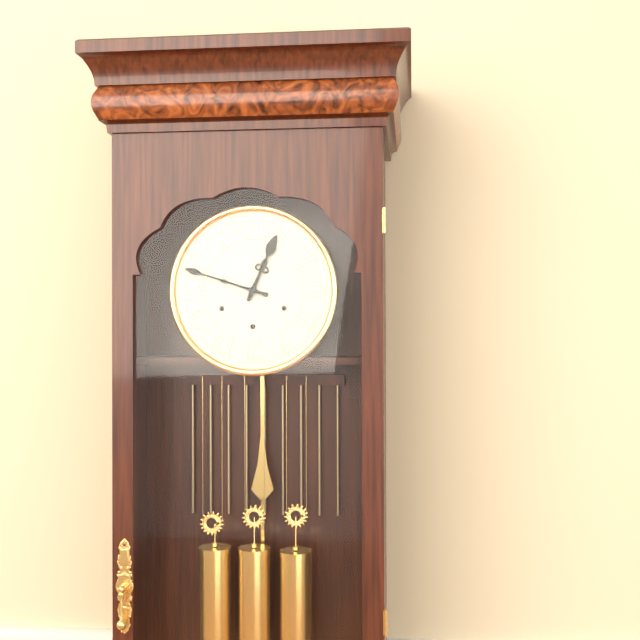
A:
12,48
